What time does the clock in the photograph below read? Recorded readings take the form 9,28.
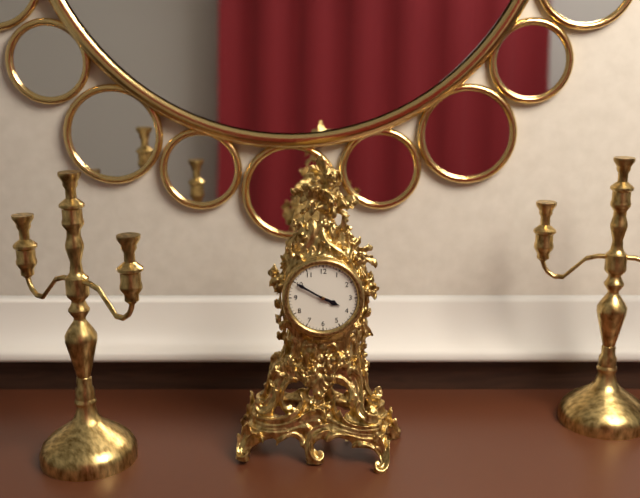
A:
3,50
